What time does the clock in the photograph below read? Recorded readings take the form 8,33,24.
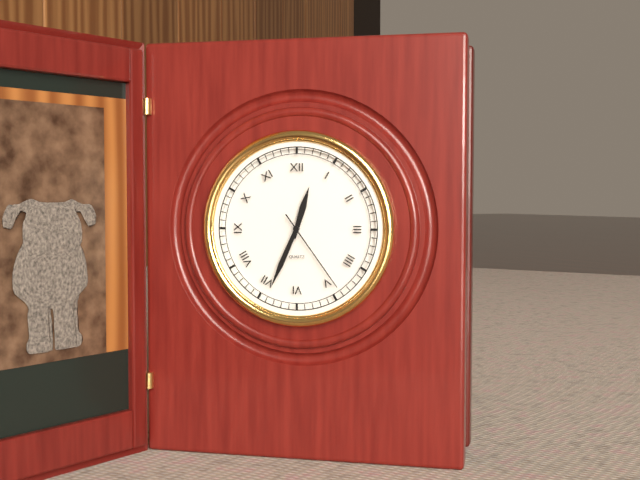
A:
12,34,24
